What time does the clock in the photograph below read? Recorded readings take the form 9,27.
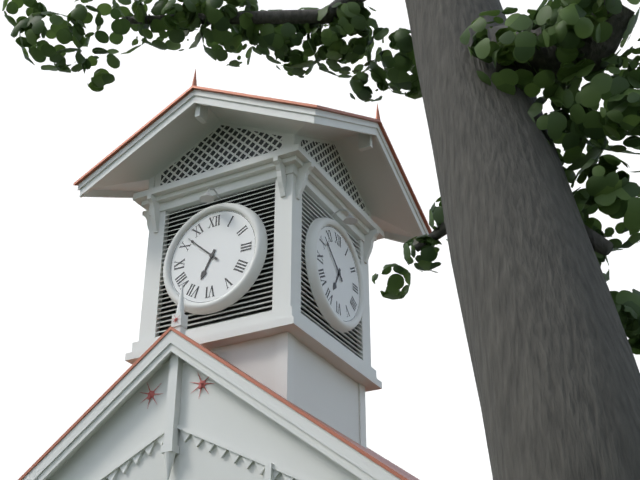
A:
6,52
